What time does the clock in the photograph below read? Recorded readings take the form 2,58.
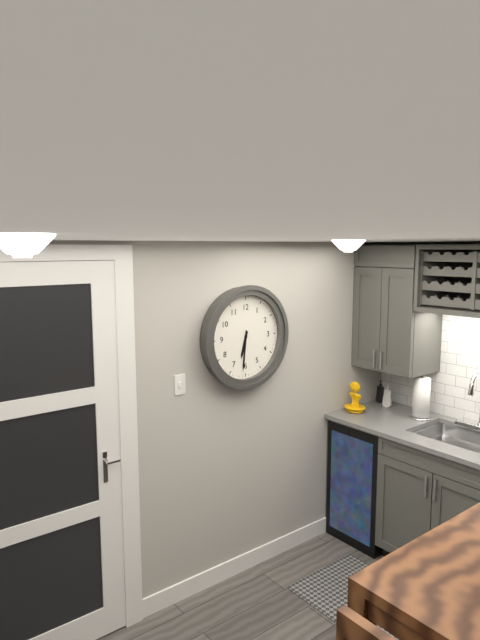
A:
6,31
